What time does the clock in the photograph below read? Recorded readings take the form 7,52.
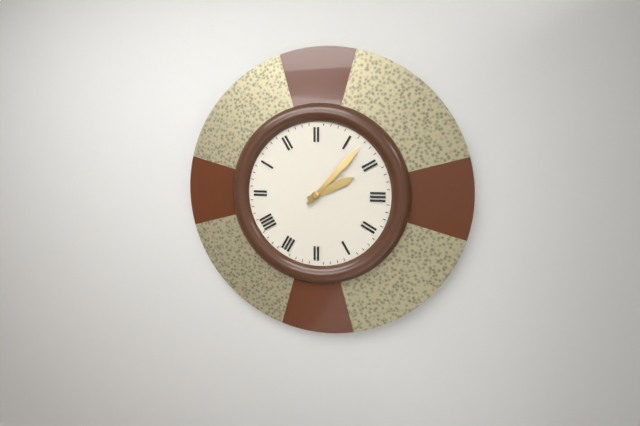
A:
2,07
